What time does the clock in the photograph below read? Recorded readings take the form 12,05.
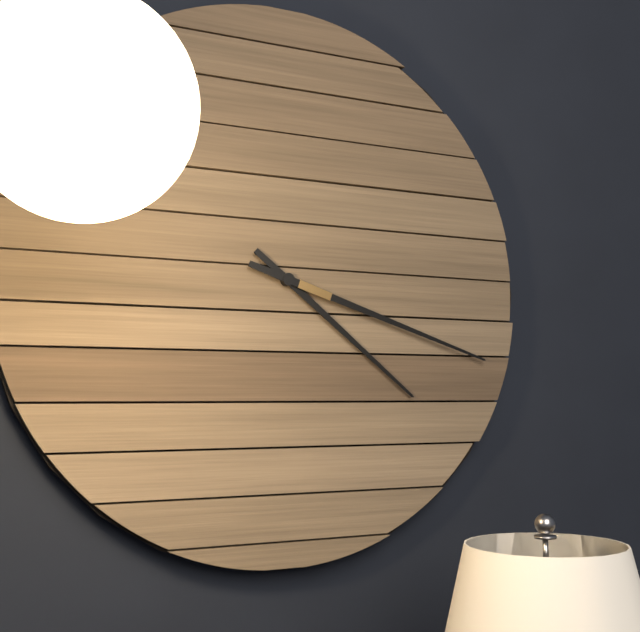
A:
4,18
